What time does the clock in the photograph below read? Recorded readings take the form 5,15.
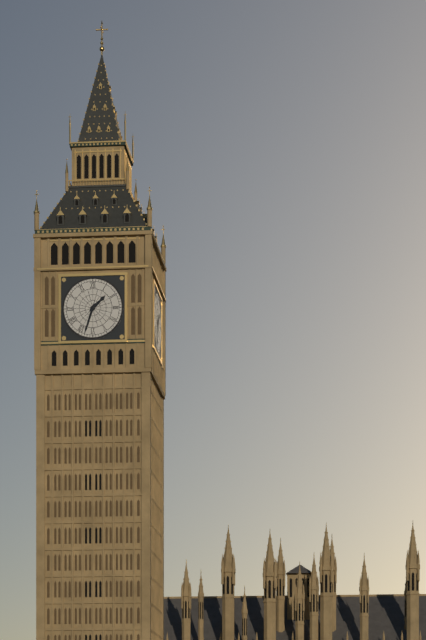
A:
1,33
